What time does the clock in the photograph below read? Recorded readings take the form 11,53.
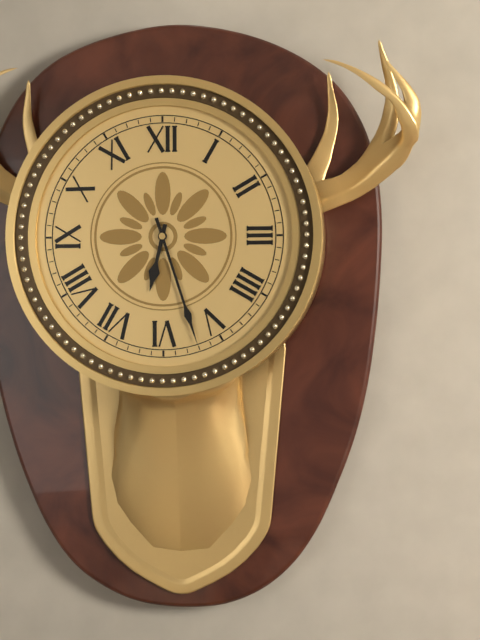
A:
6,27
